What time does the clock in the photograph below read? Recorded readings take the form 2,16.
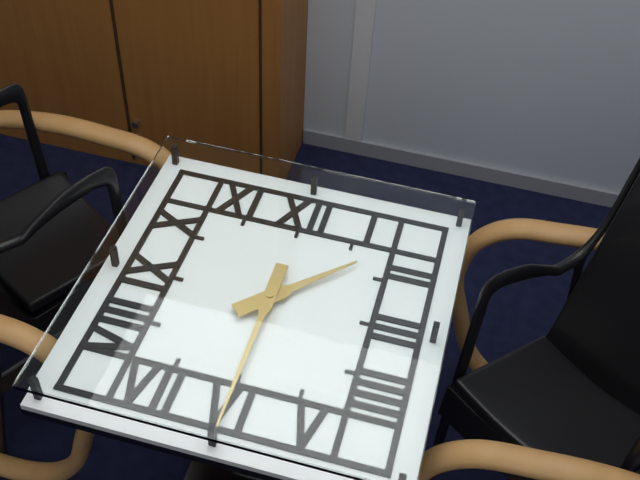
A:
1,30
